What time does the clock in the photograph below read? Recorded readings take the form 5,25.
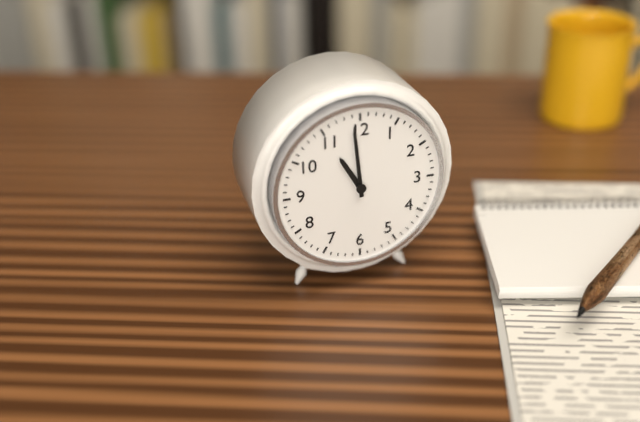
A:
10,59
